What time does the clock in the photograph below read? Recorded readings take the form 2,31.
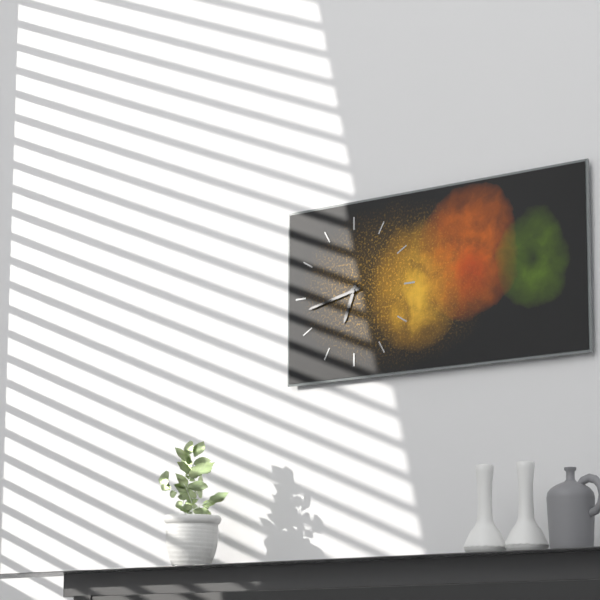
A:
6,43
